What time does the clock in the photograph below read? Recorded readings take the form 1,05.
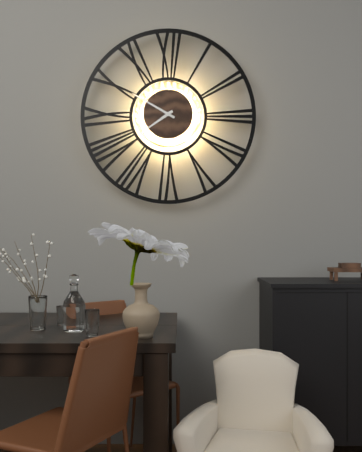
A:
7,50
